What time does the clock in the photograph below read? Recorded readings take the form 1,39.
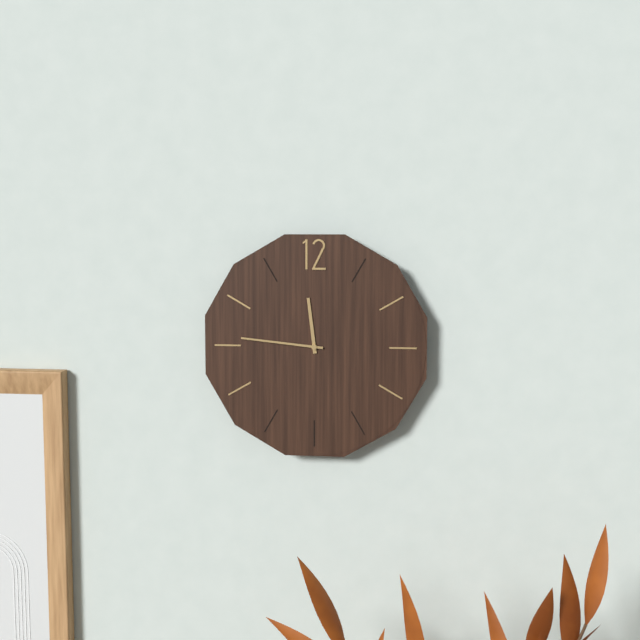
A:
11,46
